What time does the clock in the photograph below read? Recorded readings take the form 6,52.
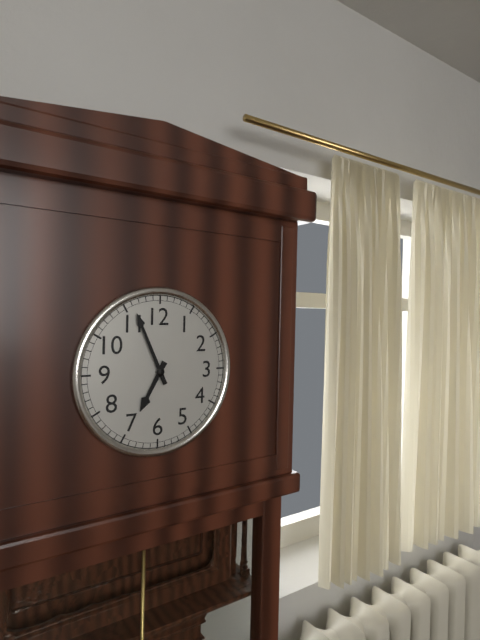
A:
6,56
